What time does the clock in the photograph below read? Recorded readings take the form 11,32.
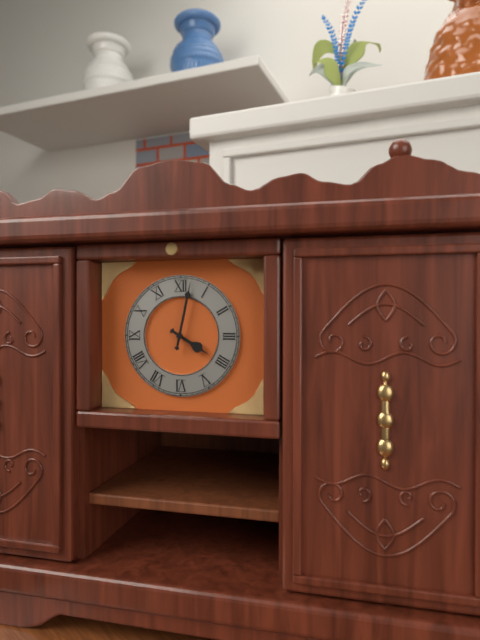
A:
4,02
